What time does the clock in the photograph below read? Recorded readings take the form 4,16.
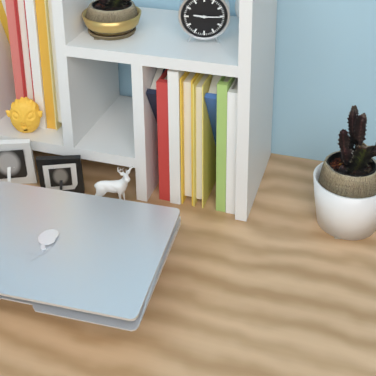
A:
9,15
